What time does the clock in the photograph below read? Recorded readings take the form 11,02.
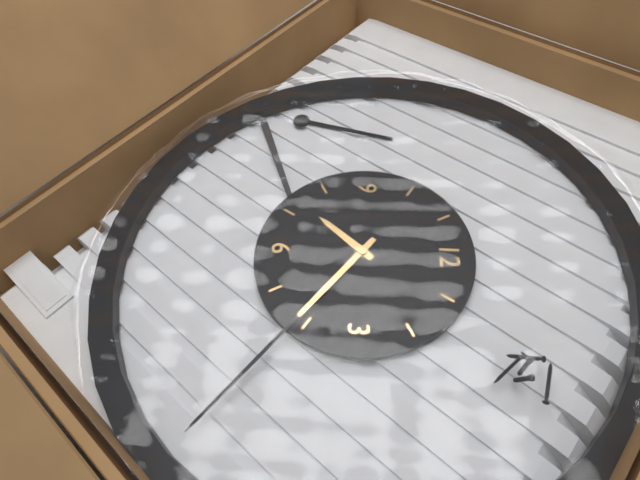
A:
7,21
